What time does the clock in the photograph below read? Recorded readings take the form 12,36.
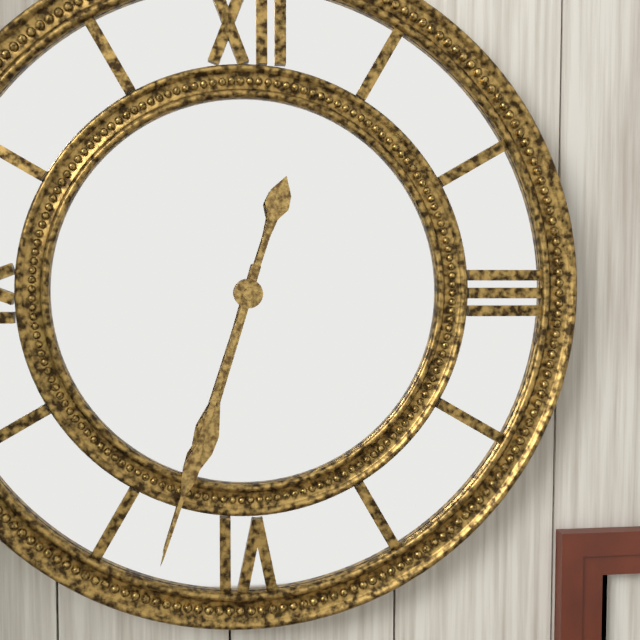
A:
6,33
